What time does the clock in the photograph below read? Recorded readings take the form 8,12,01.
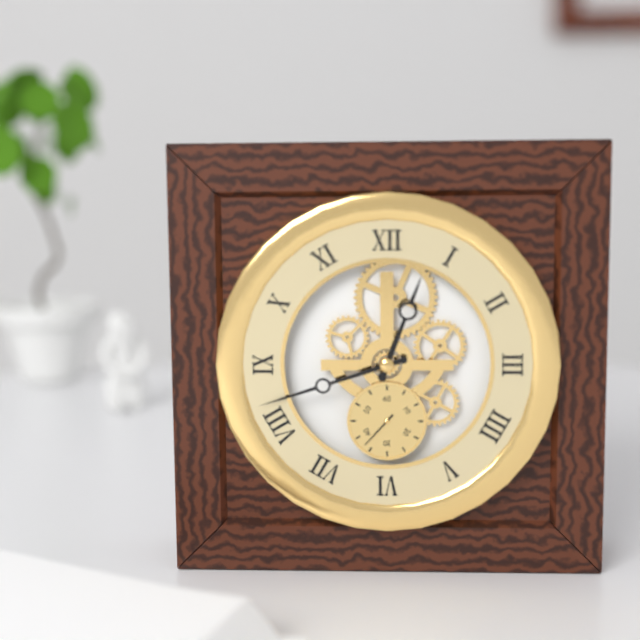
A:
12,42,37
